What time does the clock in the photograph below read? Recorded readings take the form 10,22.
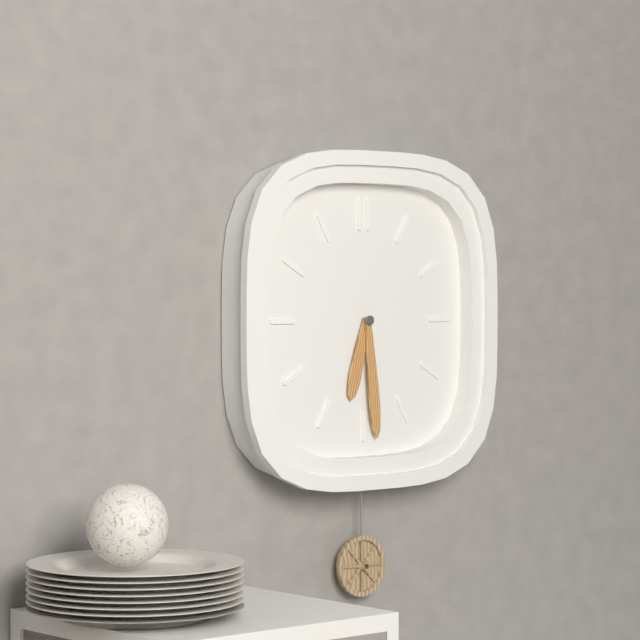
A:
6,29
